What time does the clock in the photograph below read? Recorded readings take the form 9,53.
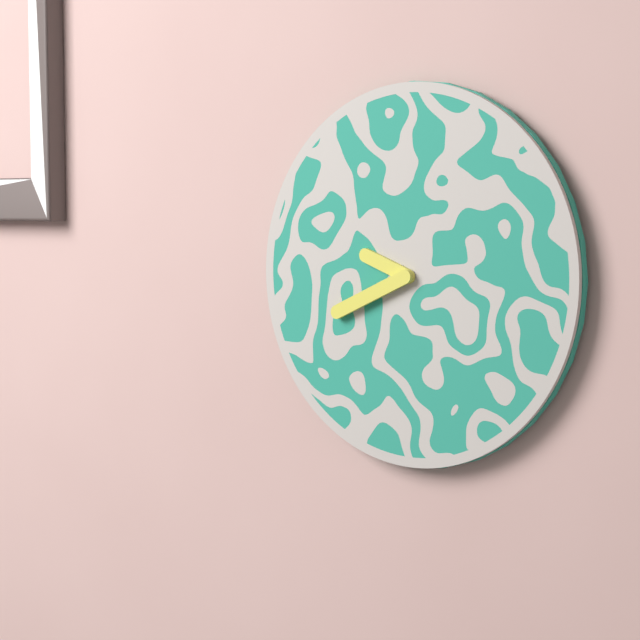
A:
9,41
